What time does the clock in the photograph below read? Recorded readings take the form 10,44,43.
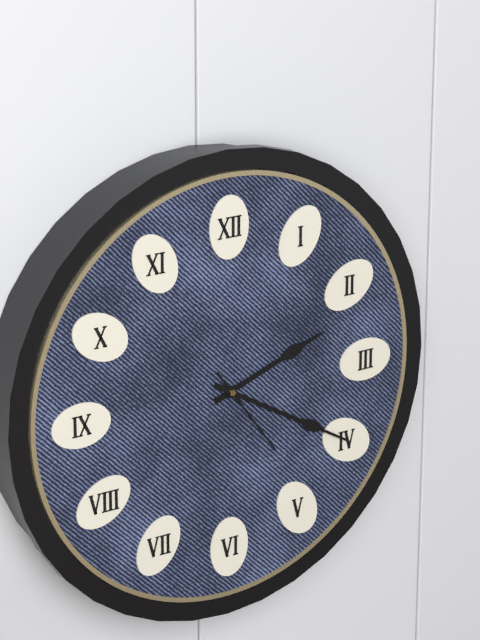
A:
2,20,24
